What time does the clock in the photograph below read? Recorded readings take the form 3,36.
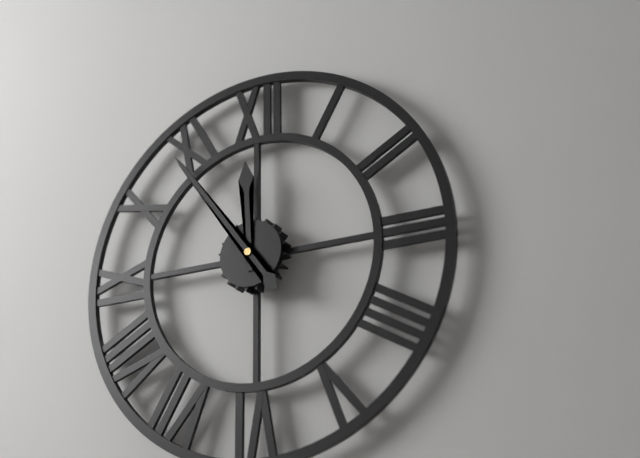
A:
11,54
